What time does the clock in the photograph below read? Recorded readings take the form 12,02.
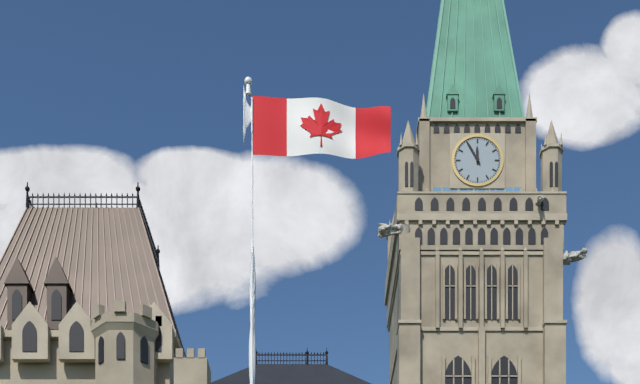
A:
11,55
